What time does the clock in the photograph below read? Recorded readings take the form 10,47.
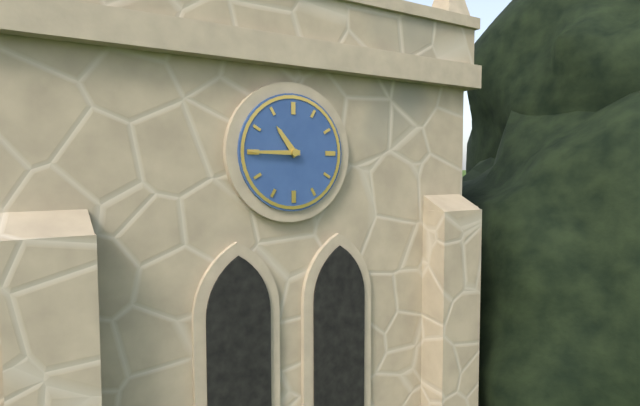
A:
10,45
